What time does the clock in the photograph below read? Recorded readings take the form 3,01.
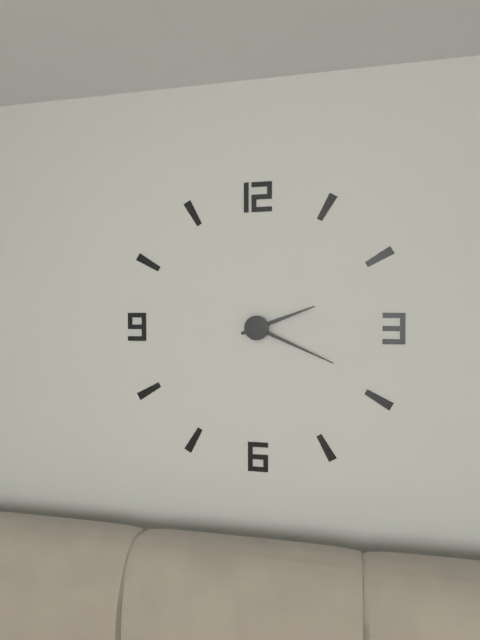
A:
2,19
